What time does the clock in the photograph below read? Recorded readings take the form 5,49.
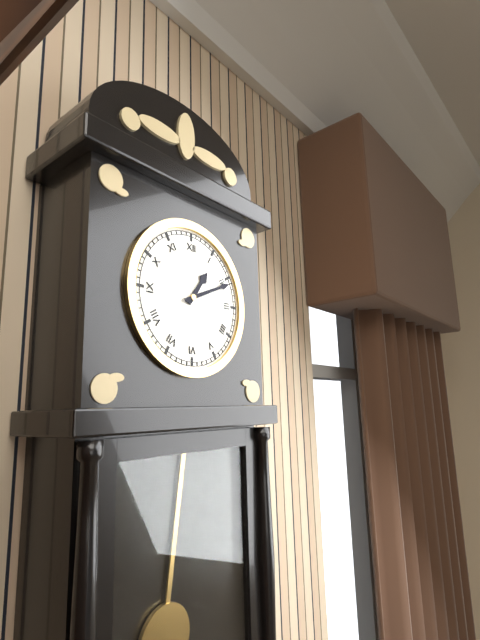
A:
1,11
